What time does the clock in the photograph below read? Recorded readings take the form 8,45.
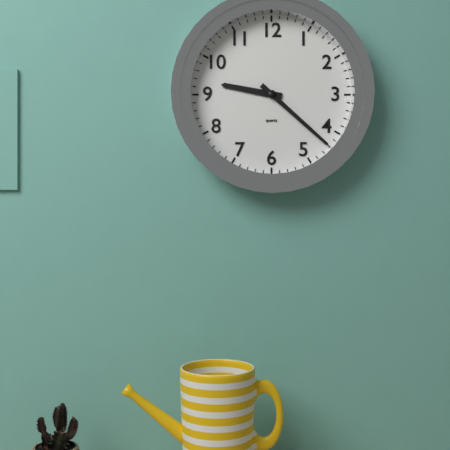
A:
9,22
